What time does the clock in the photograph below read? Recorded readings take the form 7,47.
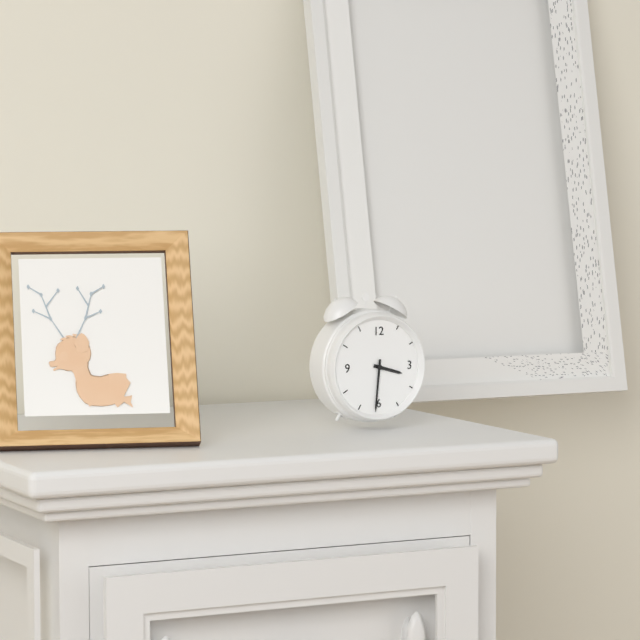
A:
3,31
